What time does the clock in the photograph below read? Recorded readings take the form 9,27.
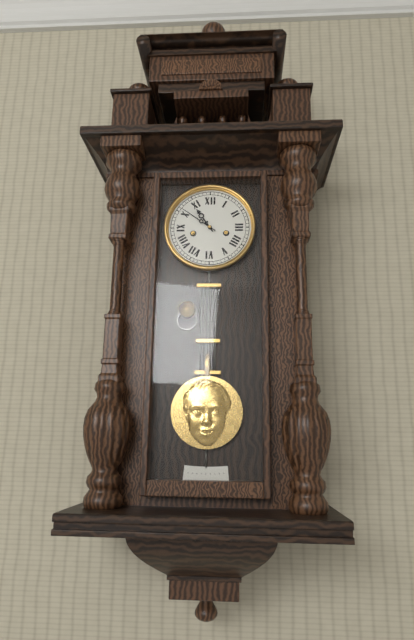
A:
10,51
